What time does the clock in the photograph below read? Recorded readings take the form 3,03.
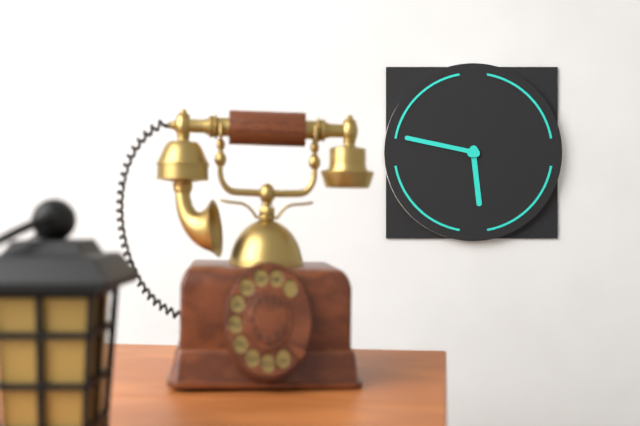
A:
5,47
